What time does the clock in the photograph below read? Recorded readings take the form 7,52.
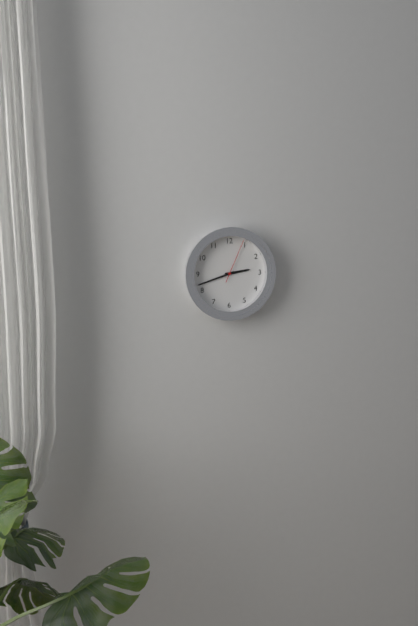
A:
2,42
